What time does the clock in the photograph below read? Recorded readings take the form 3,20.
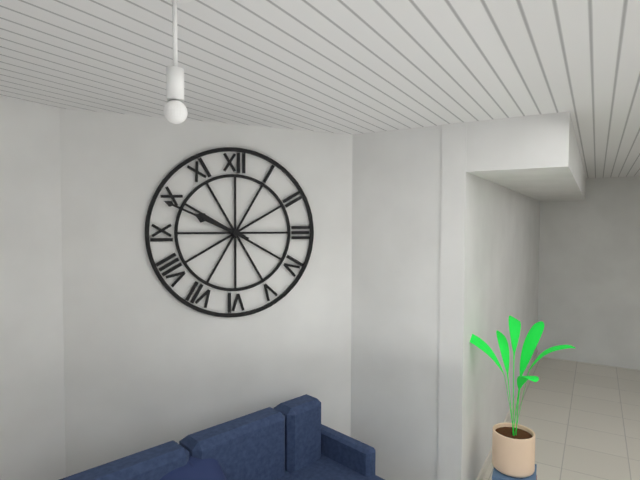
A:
9,49
